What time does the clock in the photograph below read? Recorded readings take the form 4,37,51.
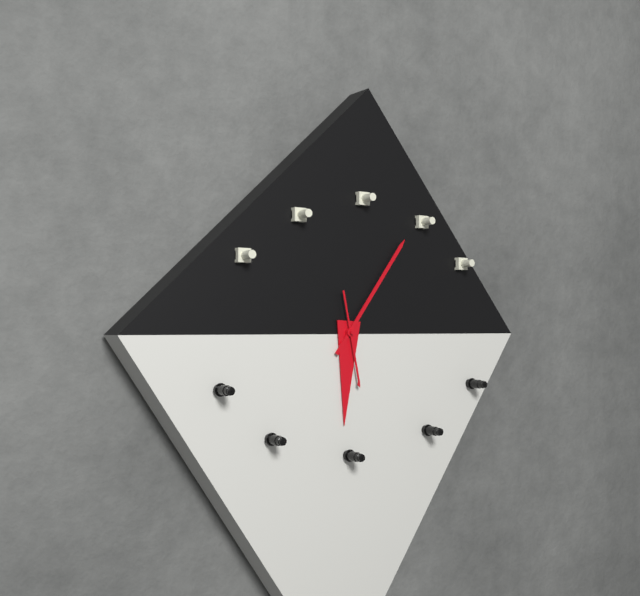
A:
6,06,28
